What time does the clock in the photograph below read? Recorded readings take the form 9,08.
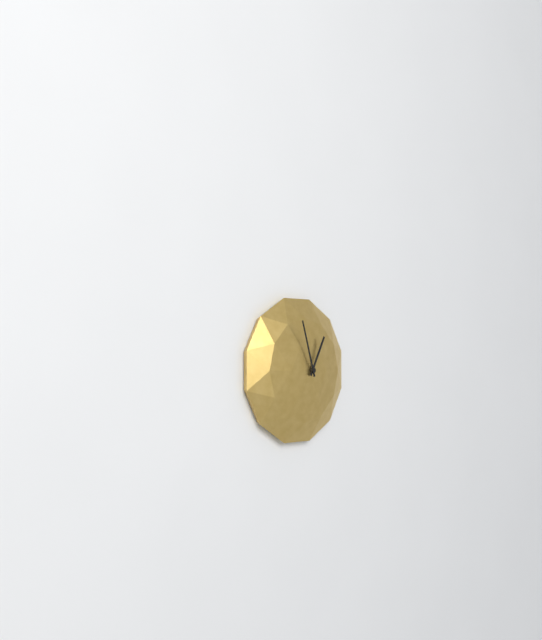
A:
12,57
